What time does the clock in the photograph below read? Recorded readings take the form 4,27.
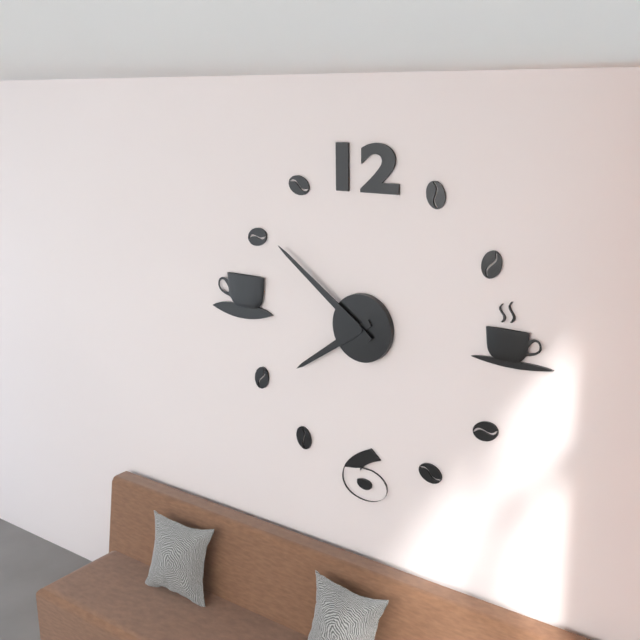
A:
7,51
